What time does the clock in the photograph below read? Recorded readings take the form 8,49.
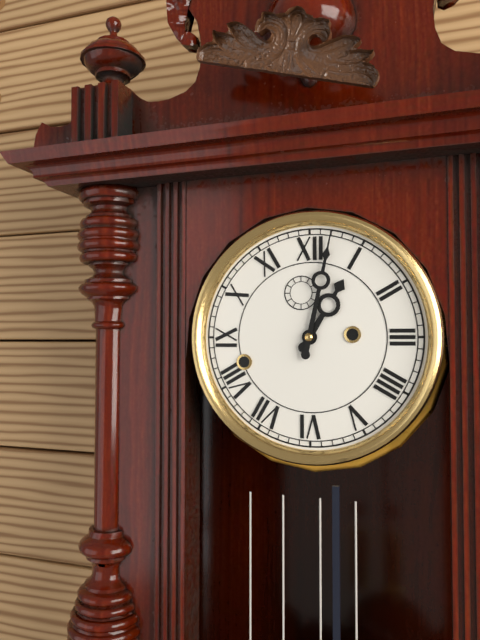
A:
1,02
